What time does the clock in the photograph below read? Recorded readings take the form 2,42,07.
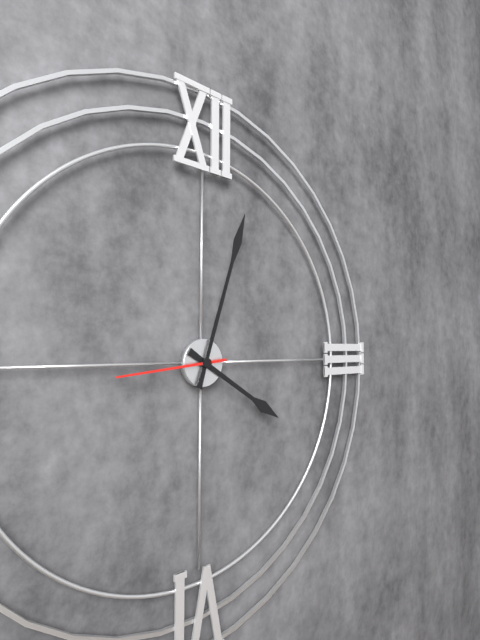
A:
4,03,44
